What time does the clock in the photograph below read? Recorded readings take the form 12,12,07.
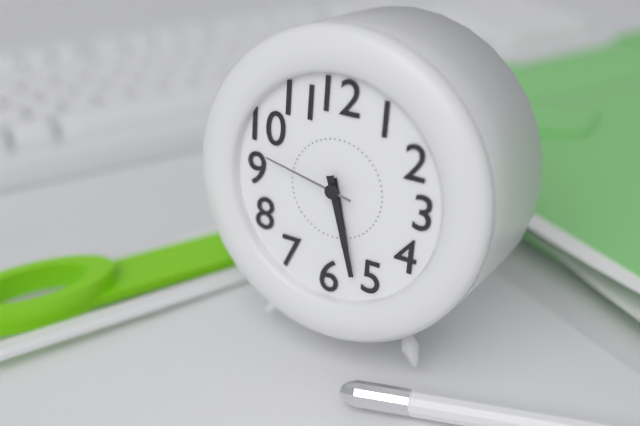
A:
5,27,47
